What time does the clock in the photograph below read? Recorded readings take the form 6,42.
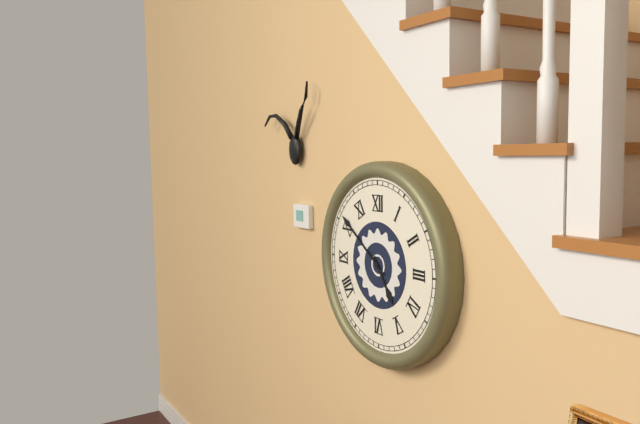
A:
4,51
